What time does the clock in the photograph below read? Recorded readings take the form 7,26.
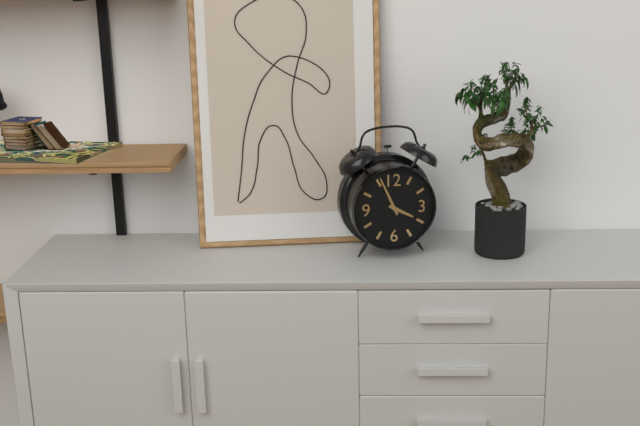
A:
3,56
